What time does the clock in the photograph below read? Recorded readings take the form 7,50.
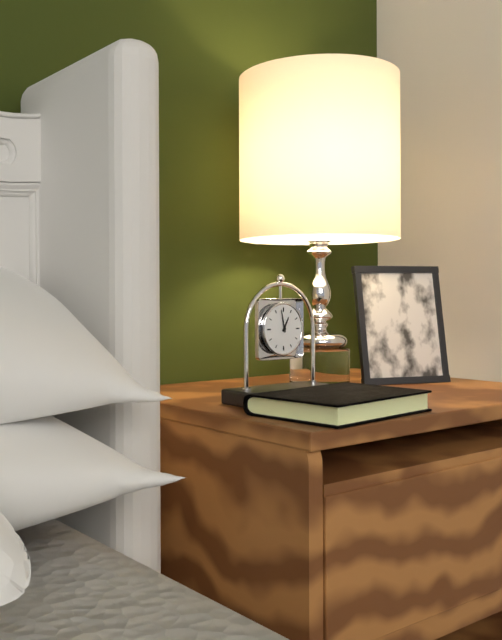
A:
12,58
